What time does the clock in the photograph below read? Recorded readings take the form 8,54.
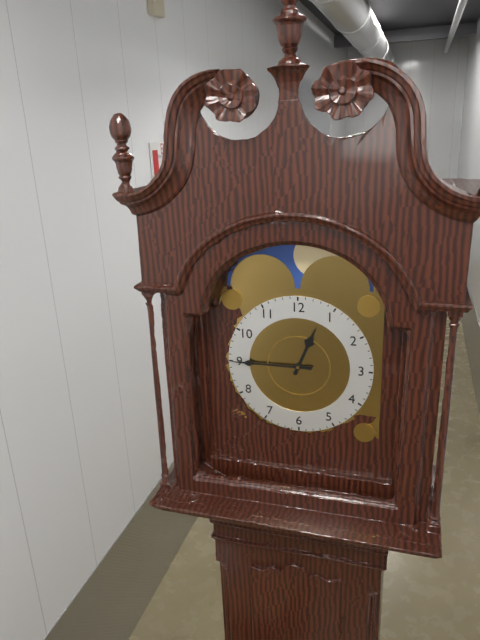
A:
12,45
